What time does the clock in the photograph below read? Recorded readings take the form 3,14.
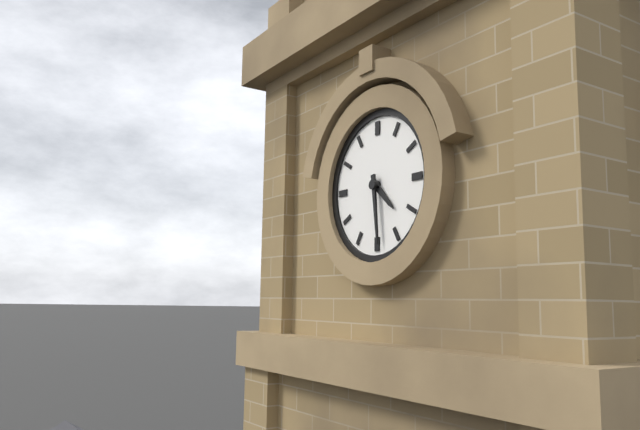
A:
4,29
